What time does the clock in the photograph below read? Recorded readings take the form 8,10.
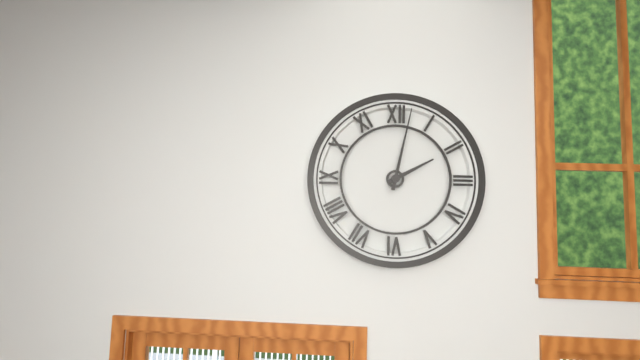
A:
2,02
